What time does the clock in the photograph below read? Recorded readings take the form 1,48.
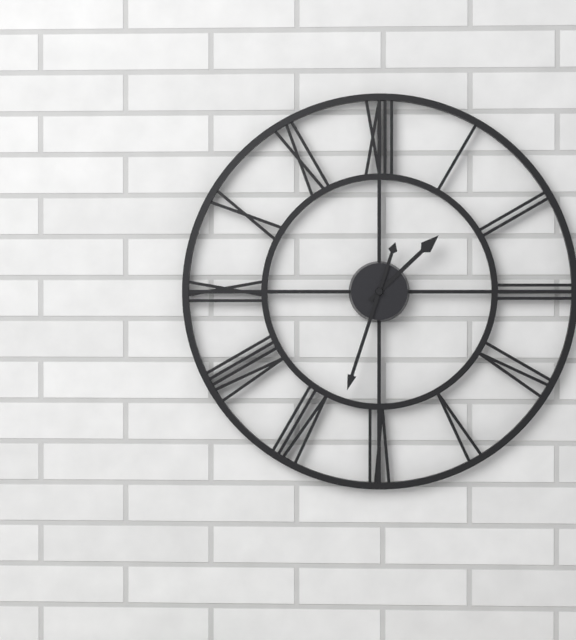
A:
1,33
